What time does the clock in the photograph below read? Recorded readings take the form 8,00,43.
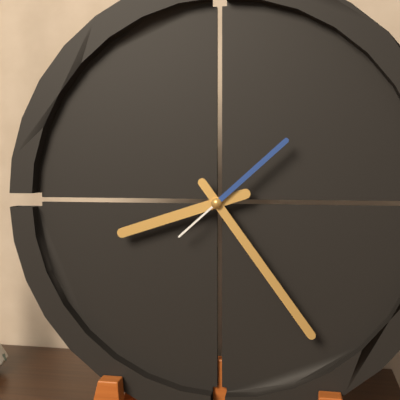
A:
8,24,08
